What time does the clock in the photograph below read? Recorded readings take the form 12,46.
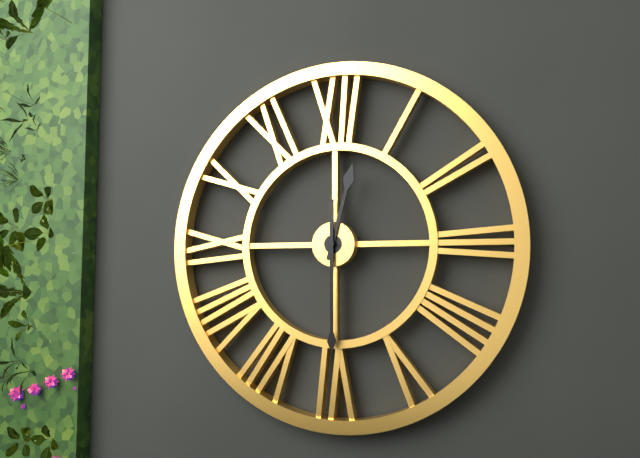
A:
12,30
